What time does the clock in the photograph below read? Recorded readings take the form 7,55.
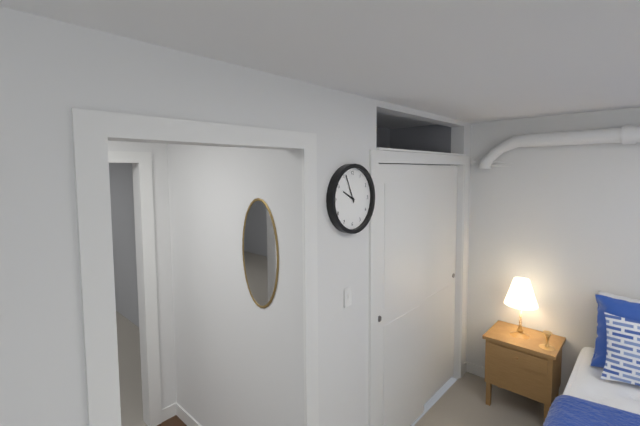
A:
9,56
